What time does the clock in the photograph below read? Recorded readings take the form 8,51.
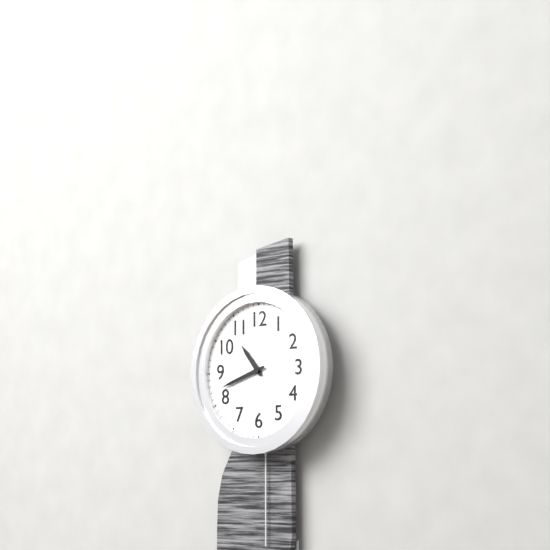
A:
10,42
